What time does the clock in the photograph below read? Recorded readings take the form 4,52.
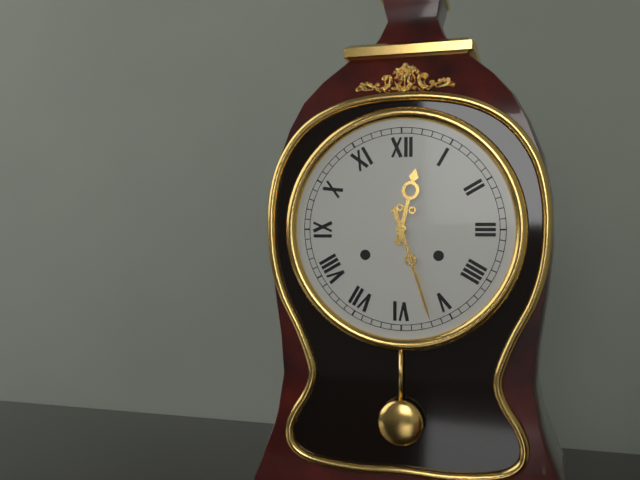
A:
12,27
